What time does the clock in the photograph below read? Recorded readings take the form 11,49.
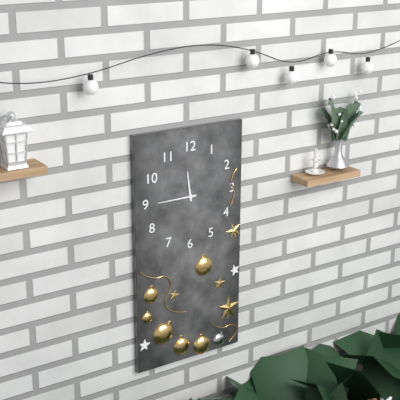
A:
11,45
